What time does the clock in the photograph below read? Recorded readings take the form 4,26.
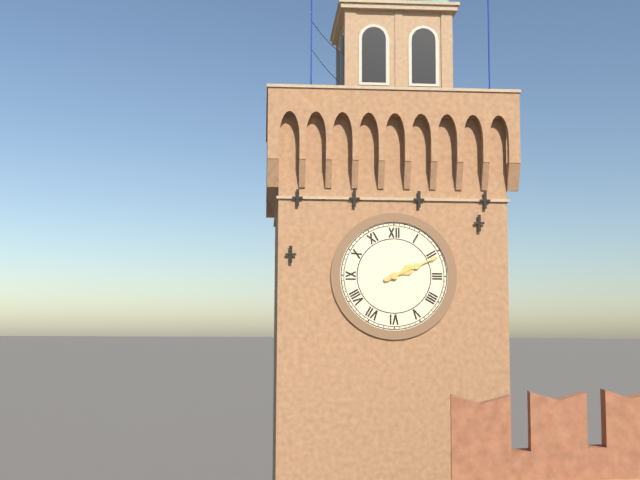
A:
2,11
